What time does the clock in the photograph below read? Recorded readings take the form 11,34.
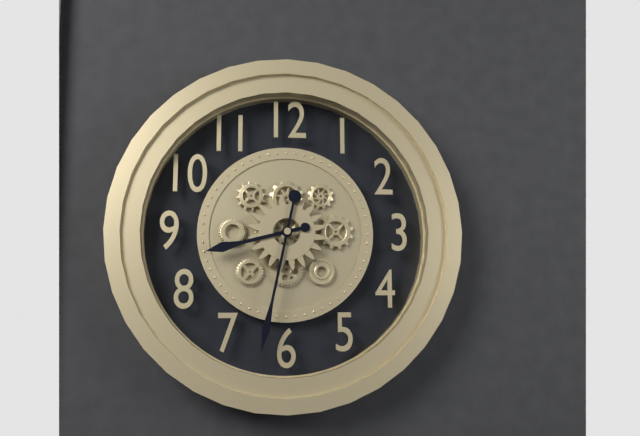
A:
8,32
